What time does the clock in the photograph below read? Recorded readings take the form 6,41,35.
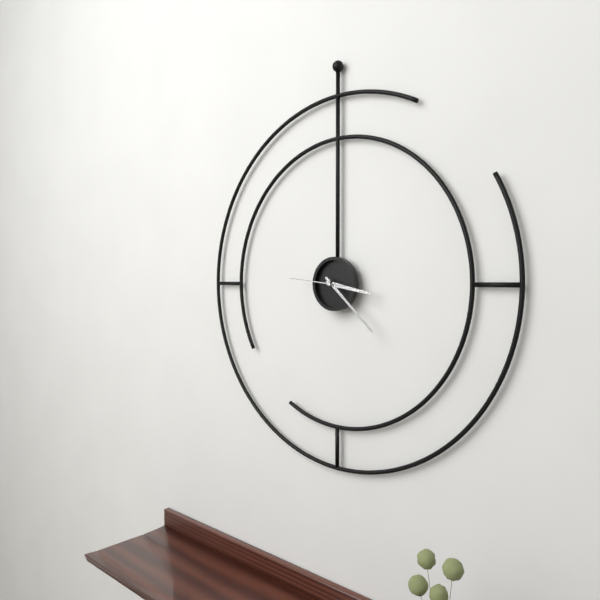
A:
3,22,46
